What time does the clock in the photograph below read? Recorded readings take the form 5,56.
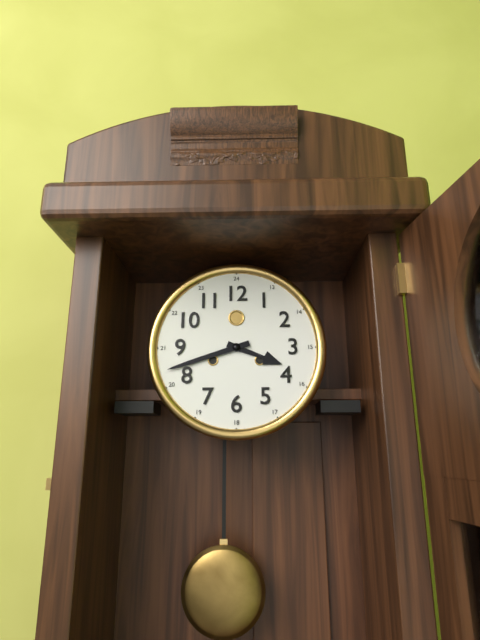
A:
3,42
